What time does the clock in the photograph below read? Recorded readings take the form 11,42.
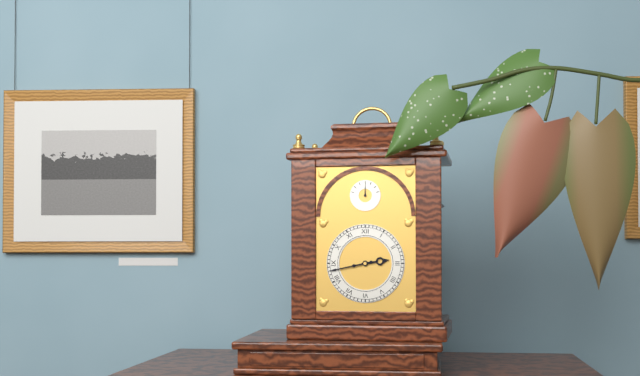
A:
2,43
